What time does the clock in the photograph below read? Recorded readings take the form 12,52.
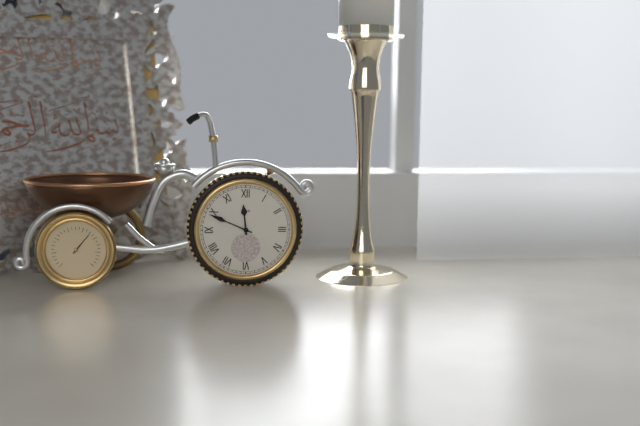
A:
11,49
